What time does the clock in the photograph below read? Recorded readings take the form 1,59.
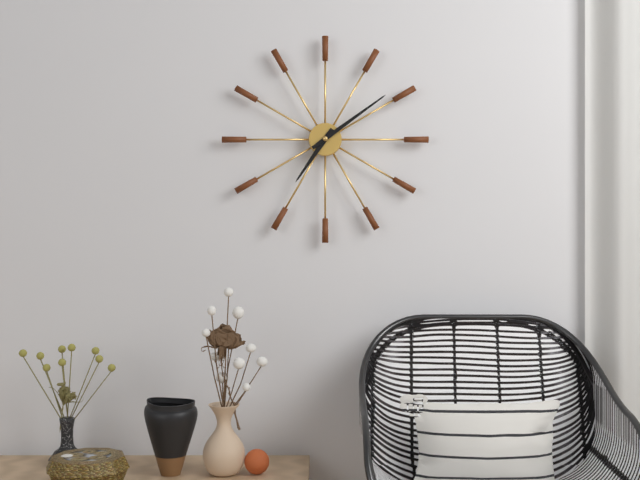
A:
7,09
